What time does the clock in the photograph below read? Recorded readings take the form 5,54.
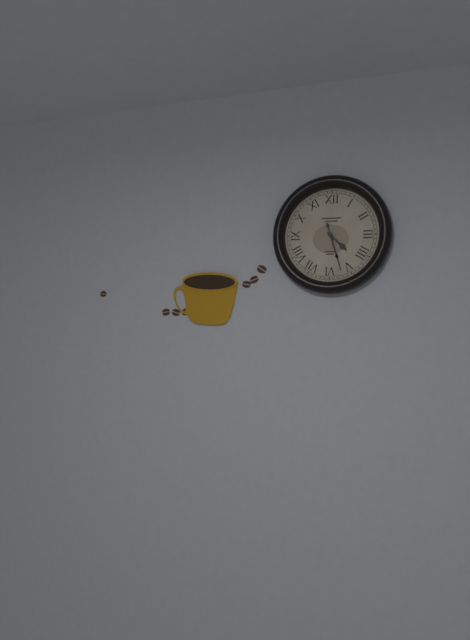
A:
4,27
